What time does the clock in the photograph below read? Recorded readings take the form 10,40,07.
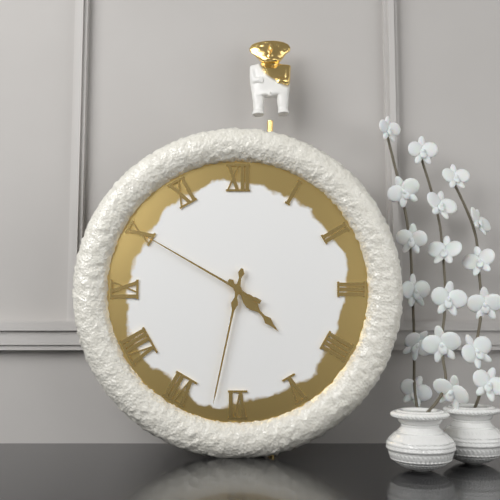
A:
4,32,50
